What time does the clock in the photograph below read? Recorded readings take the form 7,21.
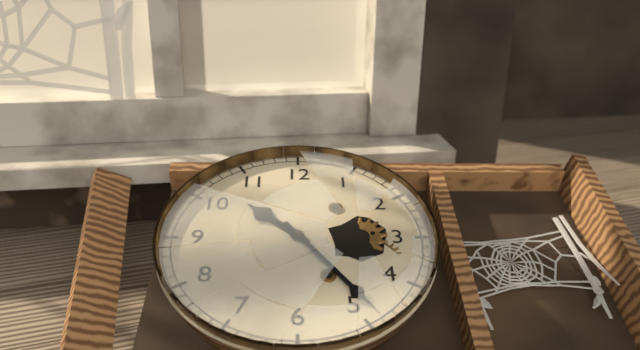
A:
10,24
